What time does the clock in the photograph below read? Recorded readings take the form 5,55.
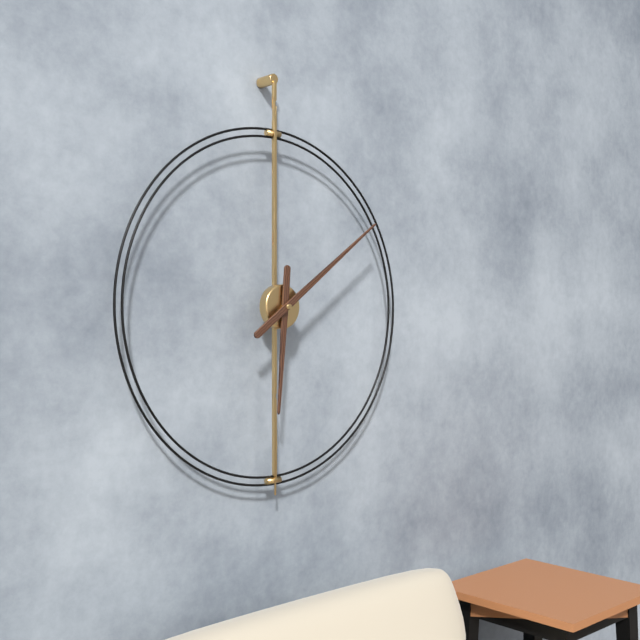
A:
6,09
